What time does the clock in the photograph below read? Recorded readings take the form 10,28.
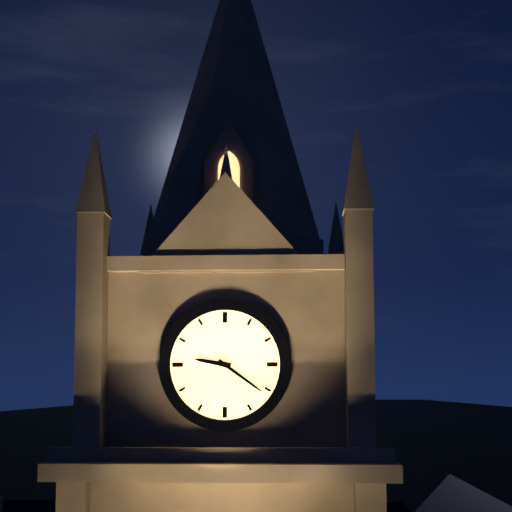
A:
9,21
